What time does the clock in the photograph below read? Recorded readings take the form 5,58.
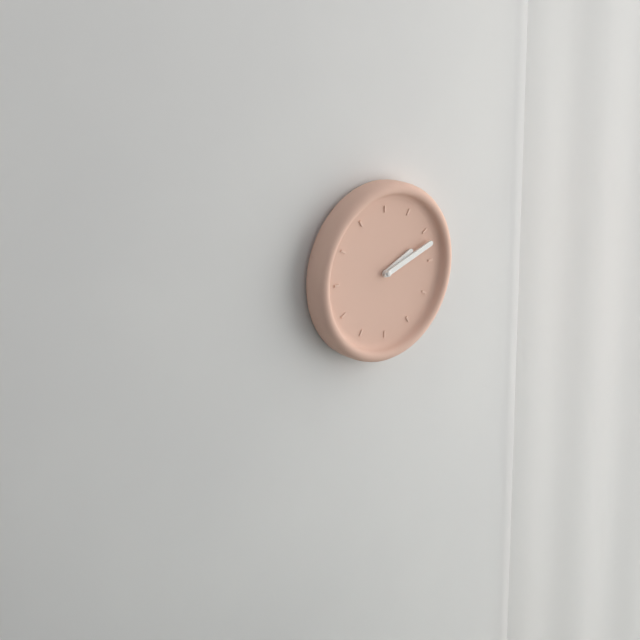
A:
2,12
